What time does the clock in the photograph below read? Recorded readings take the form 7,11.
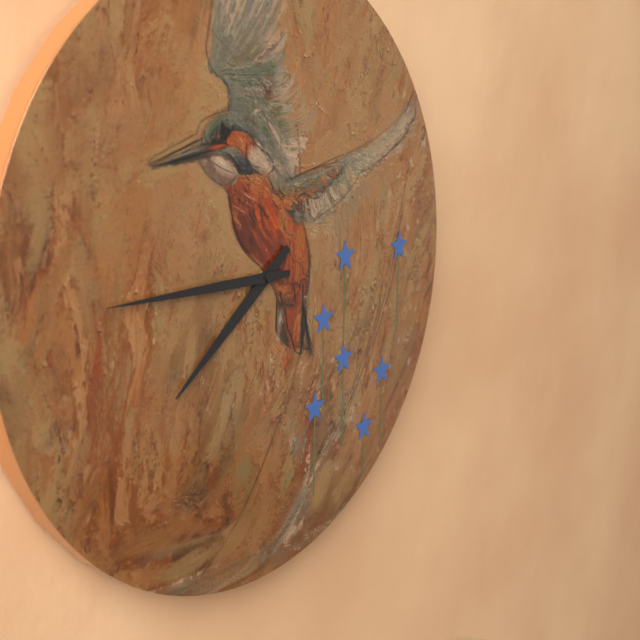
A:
7,45
